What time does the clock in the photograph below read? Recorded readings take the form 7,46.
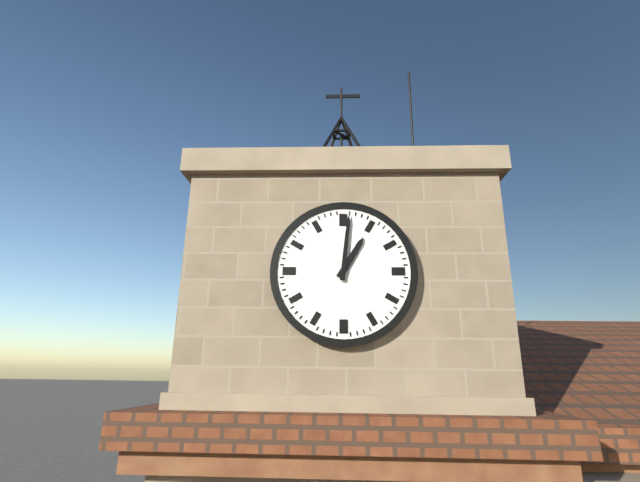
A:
1,01
